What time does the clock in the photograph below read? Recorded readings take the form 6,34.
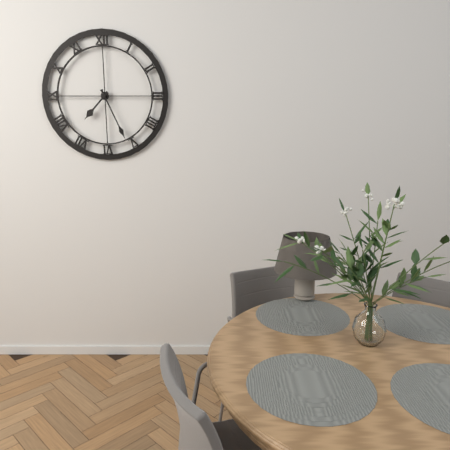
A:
7,26
